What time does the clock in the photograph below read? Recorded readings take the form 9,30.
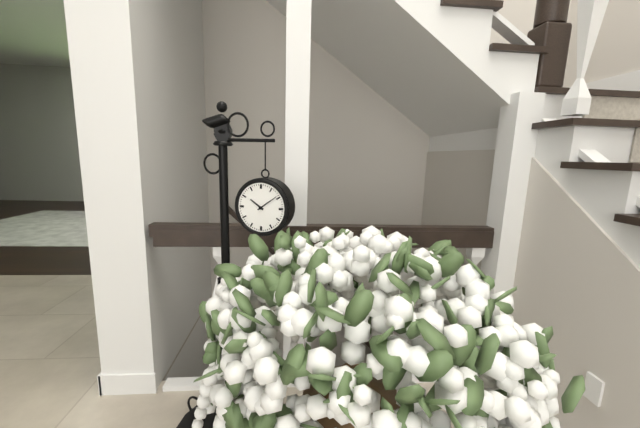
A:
10,09
